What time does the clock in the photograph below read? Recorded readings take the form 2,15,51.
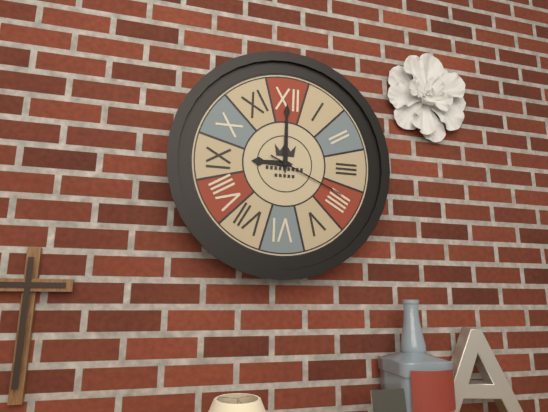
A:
9,00,19
